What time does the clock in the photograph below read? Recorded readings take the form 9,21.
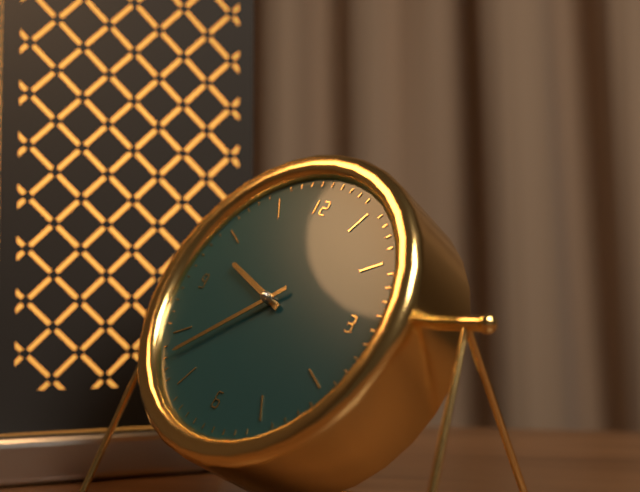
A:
9,38
